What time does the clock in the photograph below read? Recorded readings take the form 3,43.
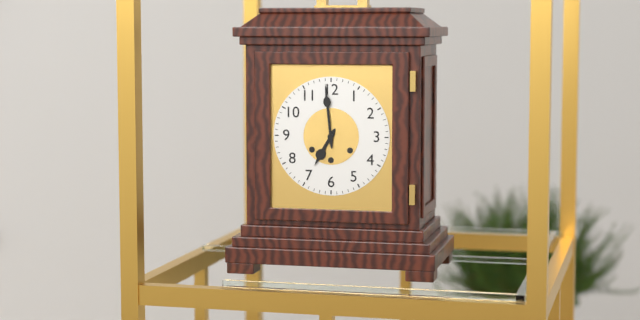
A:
6,59
